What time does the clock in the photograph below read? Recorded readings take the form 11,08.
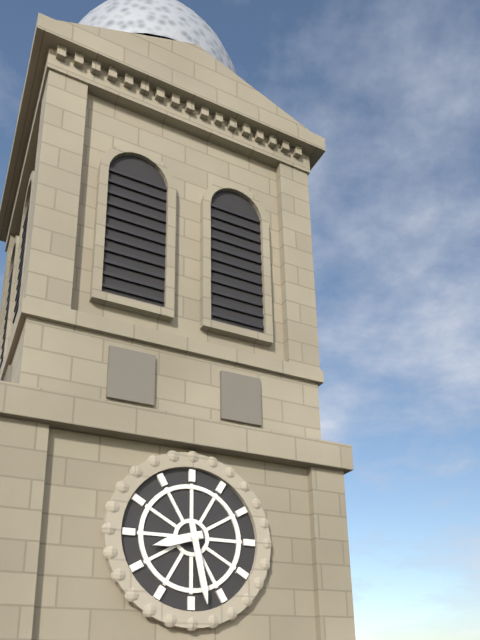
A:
8,28
